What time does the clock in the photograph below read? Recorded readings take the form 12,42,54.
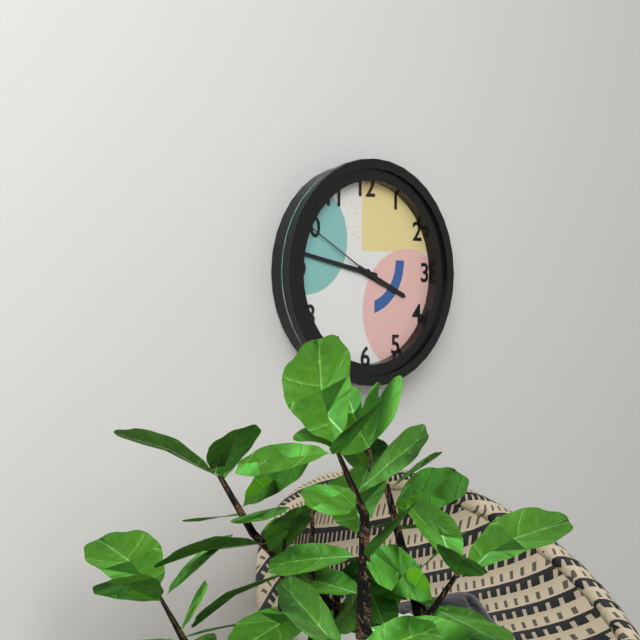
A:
3,47,50
